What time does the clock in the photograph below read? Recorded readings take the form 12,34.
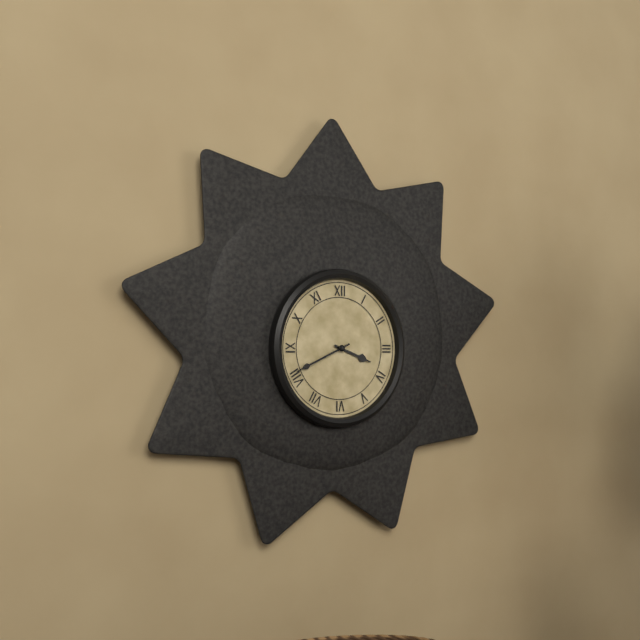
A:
3,41
